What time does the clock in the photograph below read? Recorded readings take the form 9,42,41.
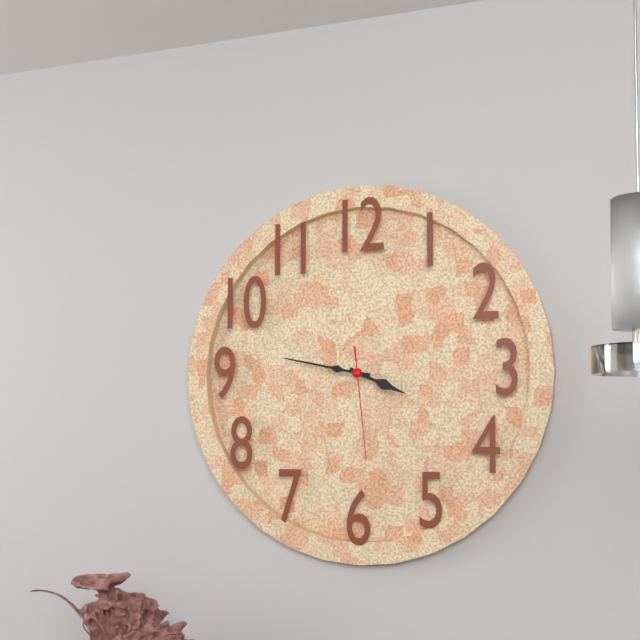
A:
3,47,29
